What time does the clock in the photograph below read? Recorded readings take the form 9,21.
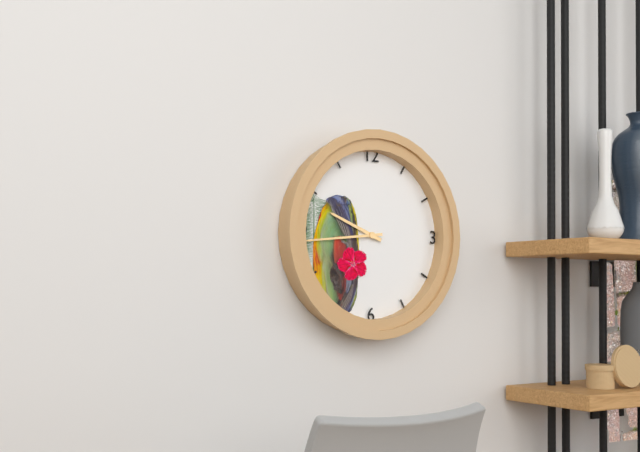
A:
9,44
